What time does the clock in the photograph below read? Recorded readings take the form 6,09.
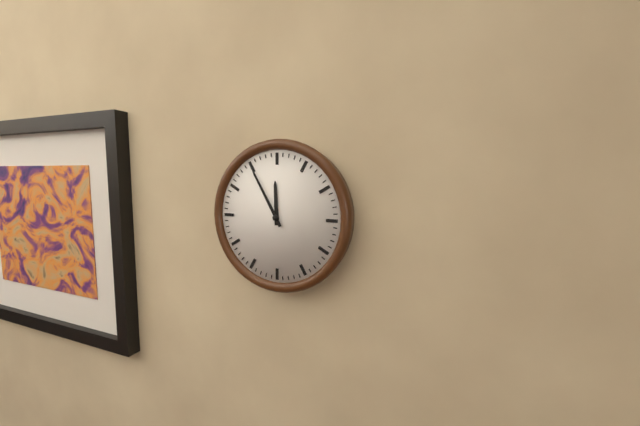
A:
11,55
